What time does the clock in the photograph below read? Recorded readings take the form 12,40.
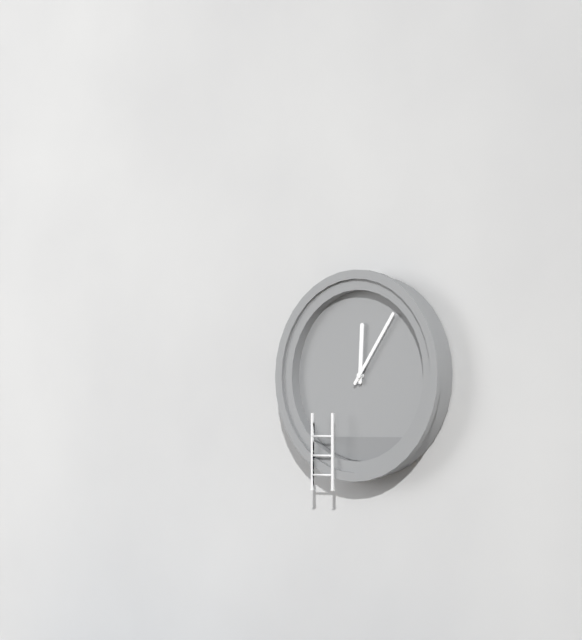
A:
12,06
